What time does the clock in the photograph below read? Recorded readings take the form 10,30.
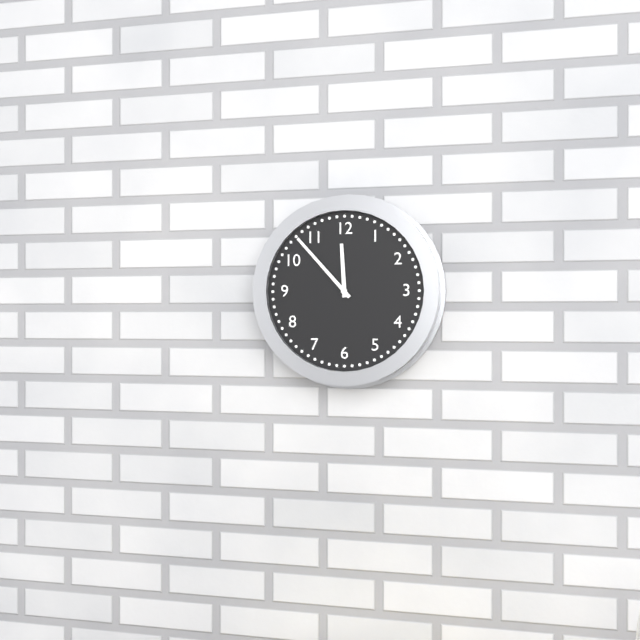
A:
11,53
